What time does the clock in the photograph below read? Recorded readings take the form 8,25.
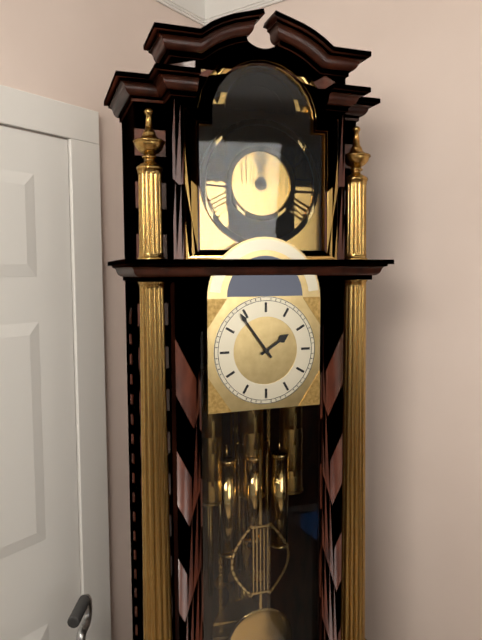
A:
1,54
